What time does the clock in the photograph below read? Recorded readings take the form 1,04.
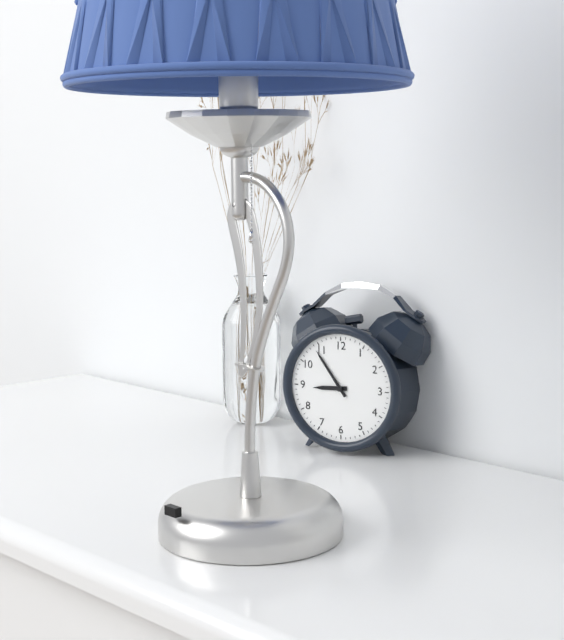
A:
8,54
